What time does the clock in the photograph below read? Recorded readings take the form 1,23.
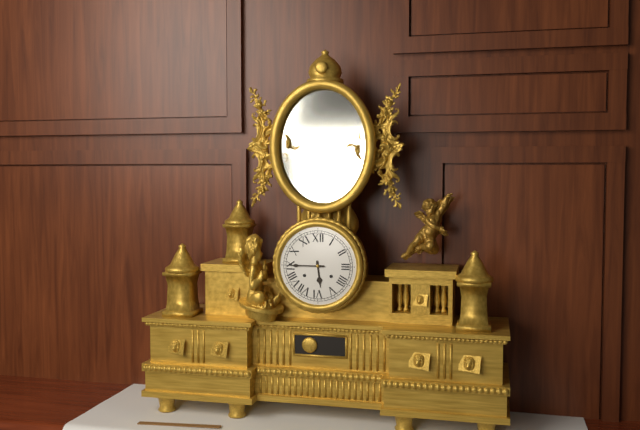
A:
5,45
